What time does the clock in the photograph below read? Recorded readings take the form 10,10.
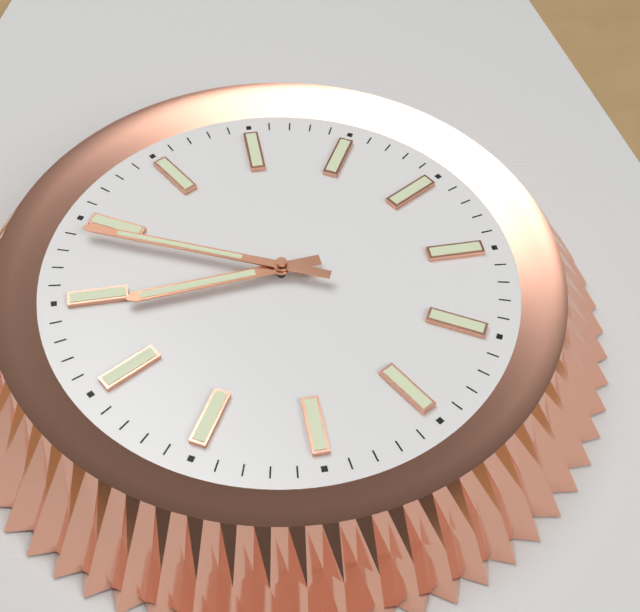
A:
8,49
